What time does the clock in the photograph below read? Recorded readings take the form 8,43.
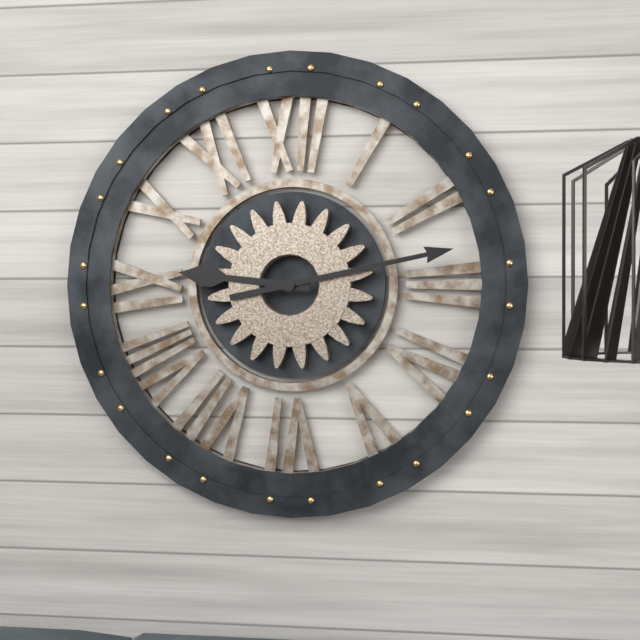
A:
9,13
